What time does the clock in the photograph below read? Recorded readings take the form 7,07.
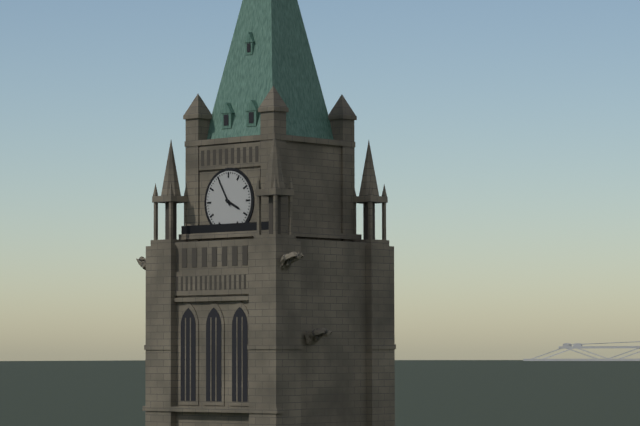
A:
3,55
